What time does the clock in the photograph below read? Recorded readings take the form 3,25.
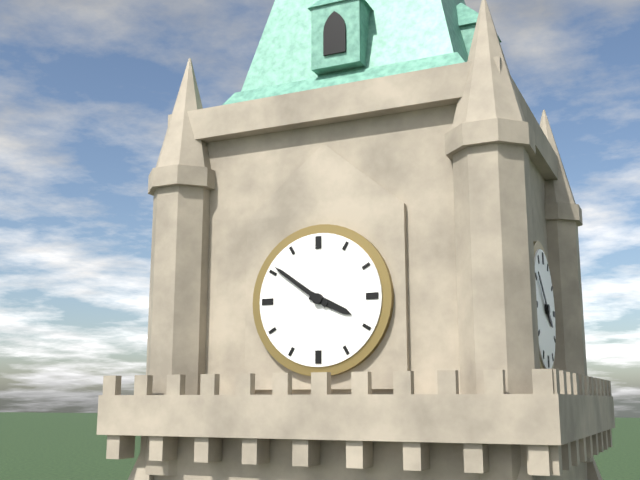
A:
3,51
